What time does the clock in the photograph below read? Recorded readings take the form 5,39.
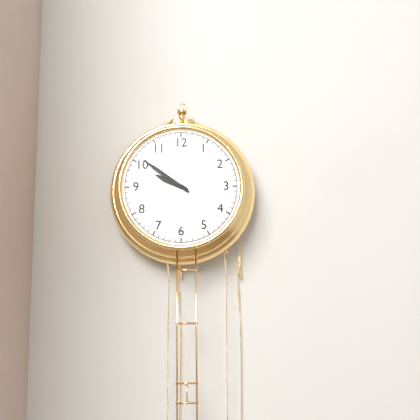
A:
9,51
